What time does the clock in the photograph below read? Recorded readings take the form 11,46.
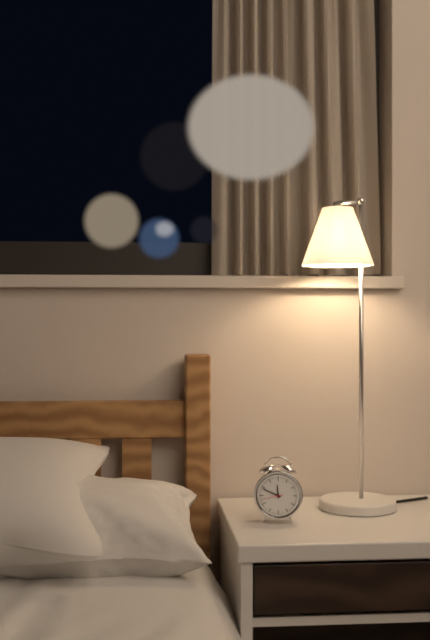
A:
11,49
